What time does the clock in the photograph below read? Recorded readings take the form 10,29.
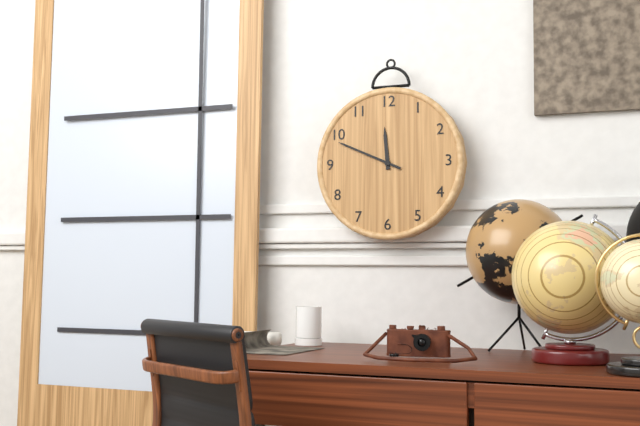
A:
11,49
